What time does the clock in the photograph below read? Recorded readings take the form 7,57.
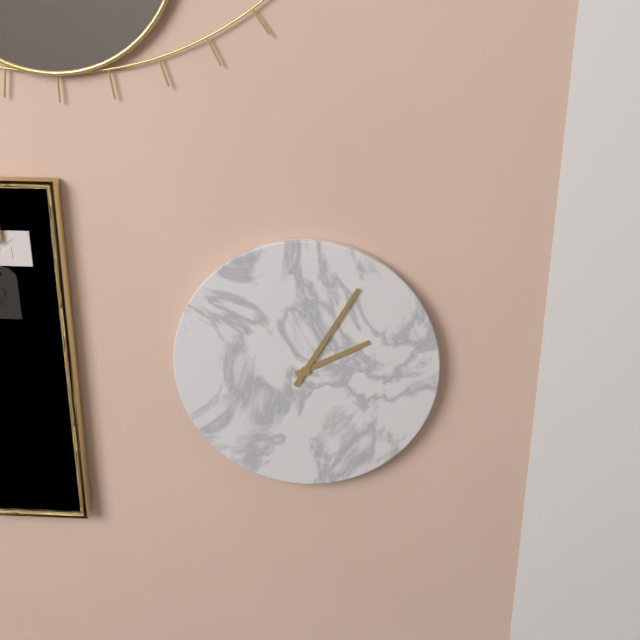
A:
2,05
